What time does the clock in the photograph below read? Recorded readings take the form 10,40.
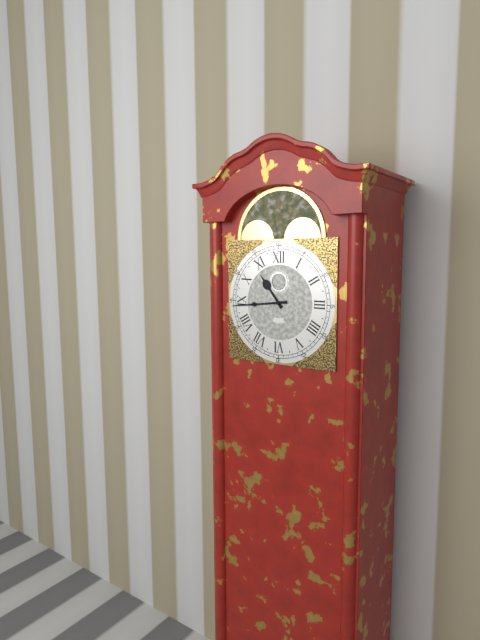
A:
10,44
